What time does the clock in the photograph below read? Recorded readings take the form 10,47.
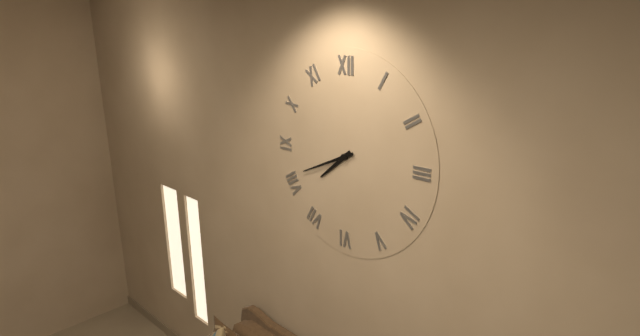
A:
7,41
